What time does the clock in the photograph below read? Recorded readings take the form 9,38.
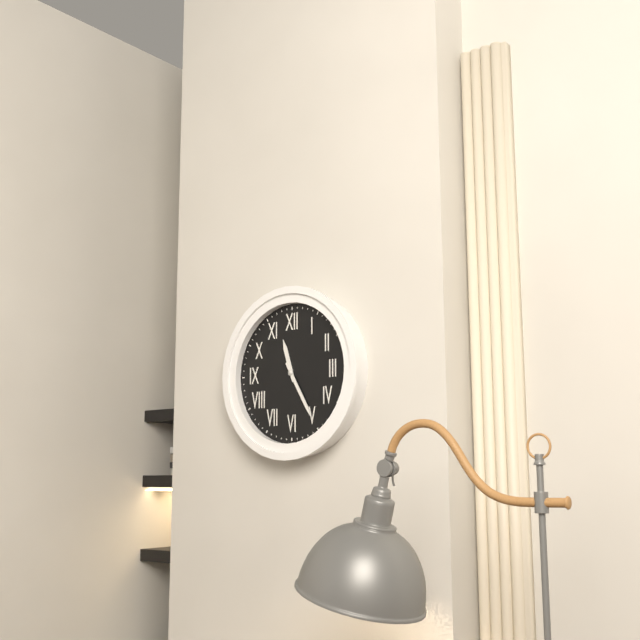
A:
11,25
